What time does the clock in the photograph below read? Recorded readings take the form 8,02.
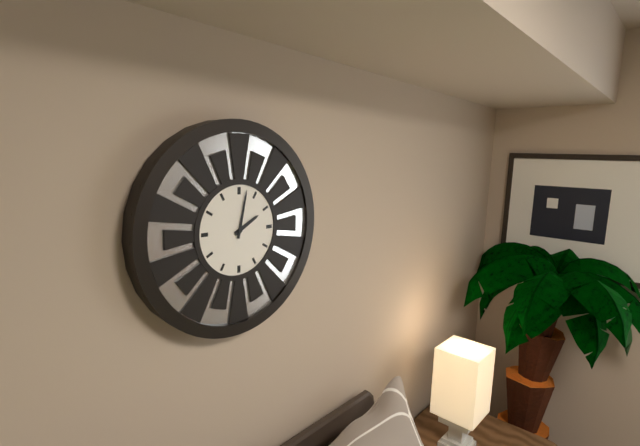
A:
2,02
